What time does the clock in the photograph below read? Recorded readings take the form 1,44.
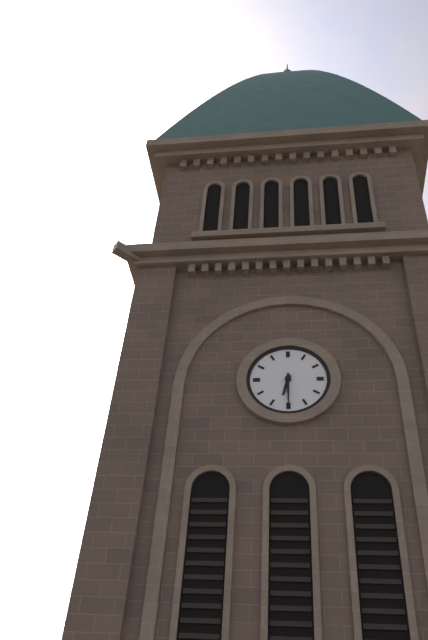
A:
6,30
